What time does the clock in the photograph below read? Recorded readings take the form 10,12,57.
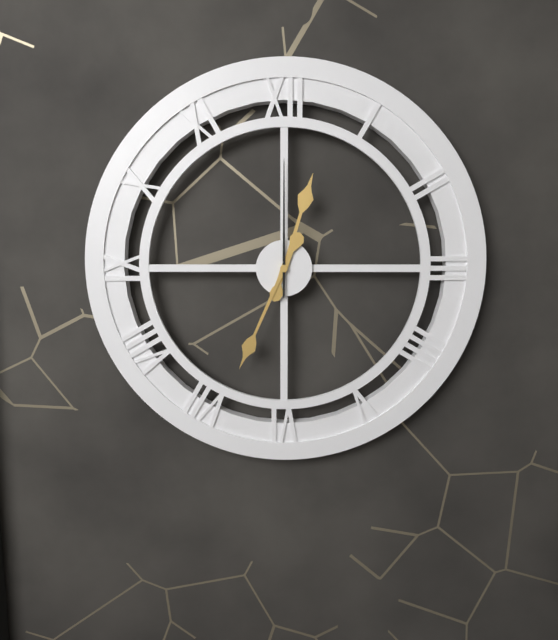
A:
12,34,00
